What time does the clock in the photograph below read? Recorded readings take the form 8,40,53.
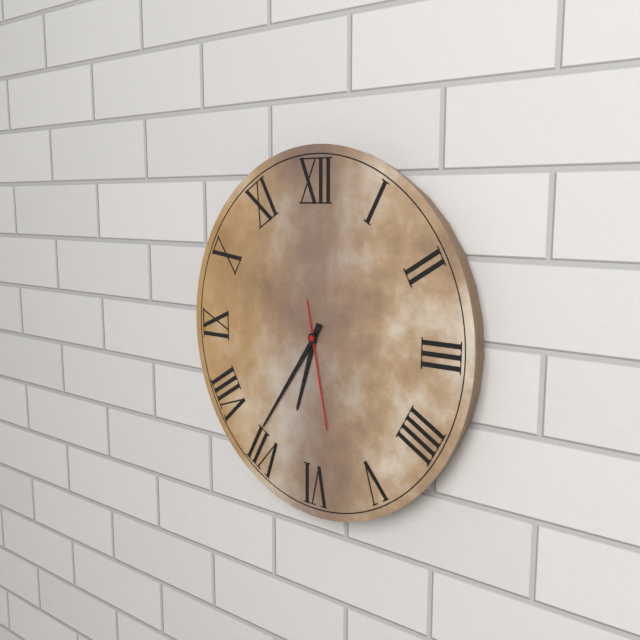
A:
6,36,28
